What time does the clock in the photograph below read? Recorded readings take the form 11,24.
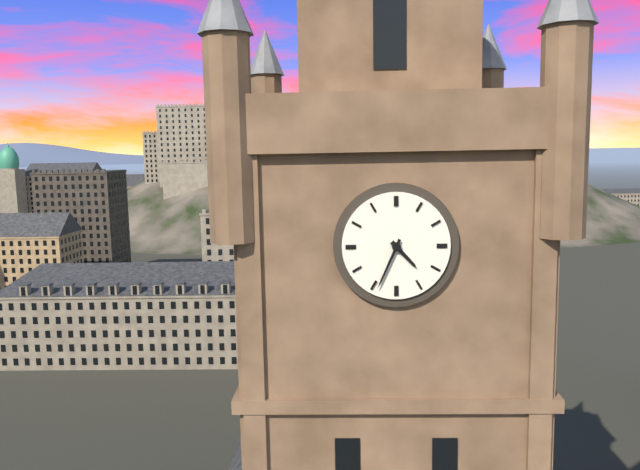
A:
4,34
